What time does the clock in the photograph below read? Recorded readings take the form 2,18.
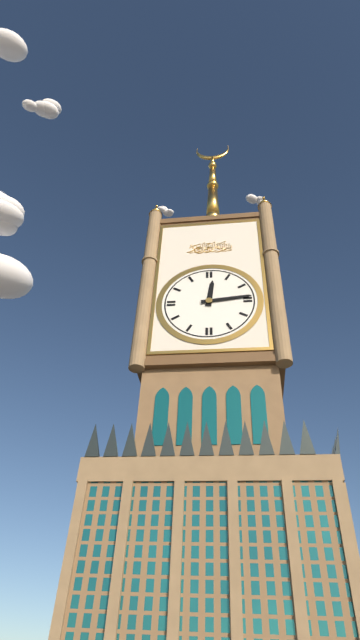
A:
12,14
